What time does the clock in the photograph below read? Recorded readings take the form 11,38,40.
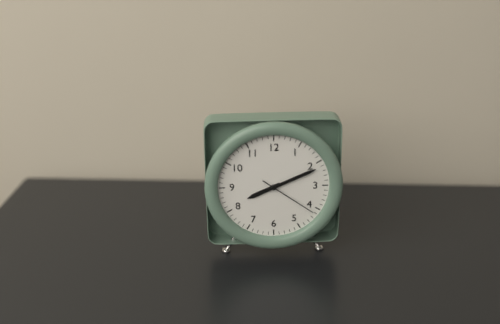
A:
8,11,21
